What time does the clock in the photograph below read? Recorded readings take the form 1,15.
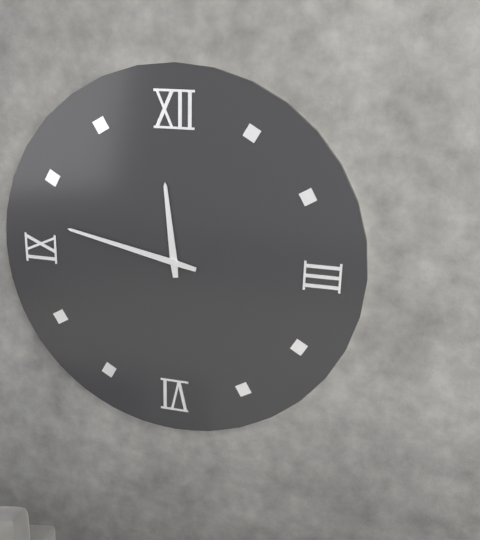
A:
11,47
